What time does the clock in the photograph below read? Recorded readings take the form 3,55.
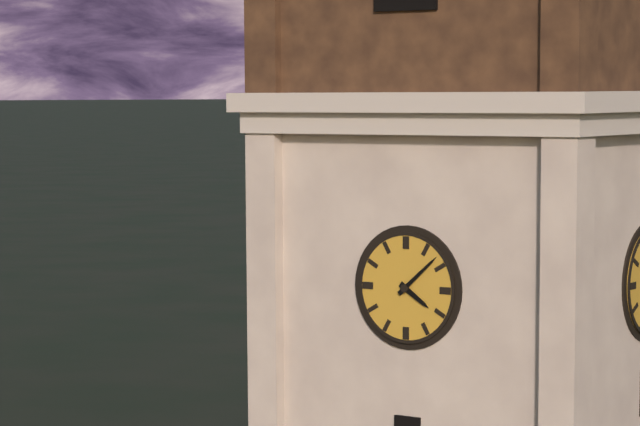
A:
4,08
